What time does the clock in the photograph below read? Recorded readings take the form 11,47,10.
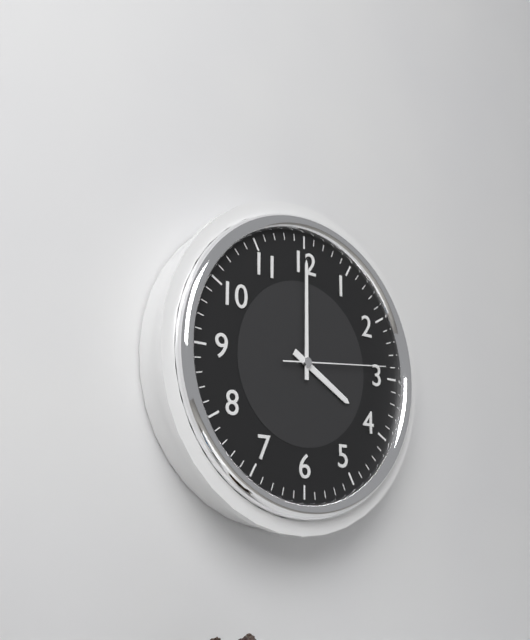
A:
4,00,14
